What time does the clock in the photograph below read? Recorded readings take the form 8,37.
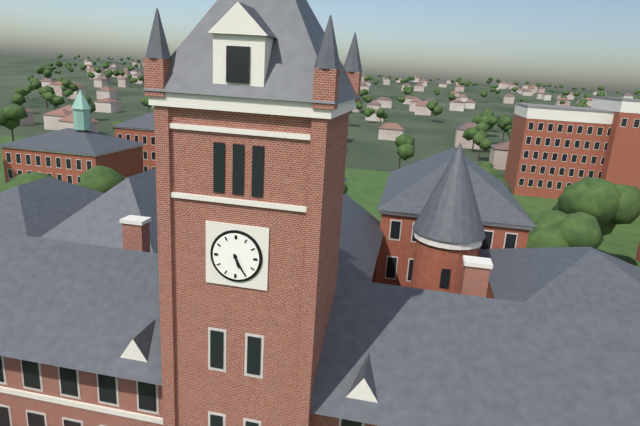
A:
5,25
